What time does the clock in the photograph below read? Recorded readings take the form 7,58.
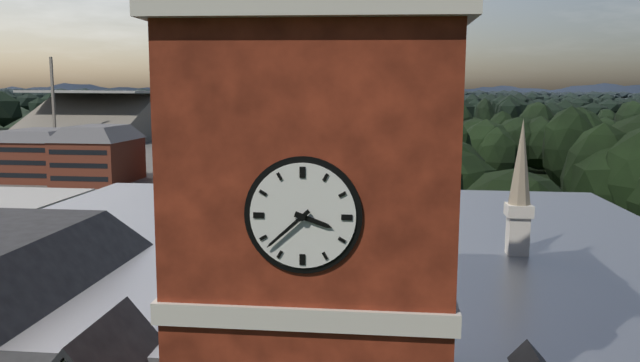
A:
3,38
